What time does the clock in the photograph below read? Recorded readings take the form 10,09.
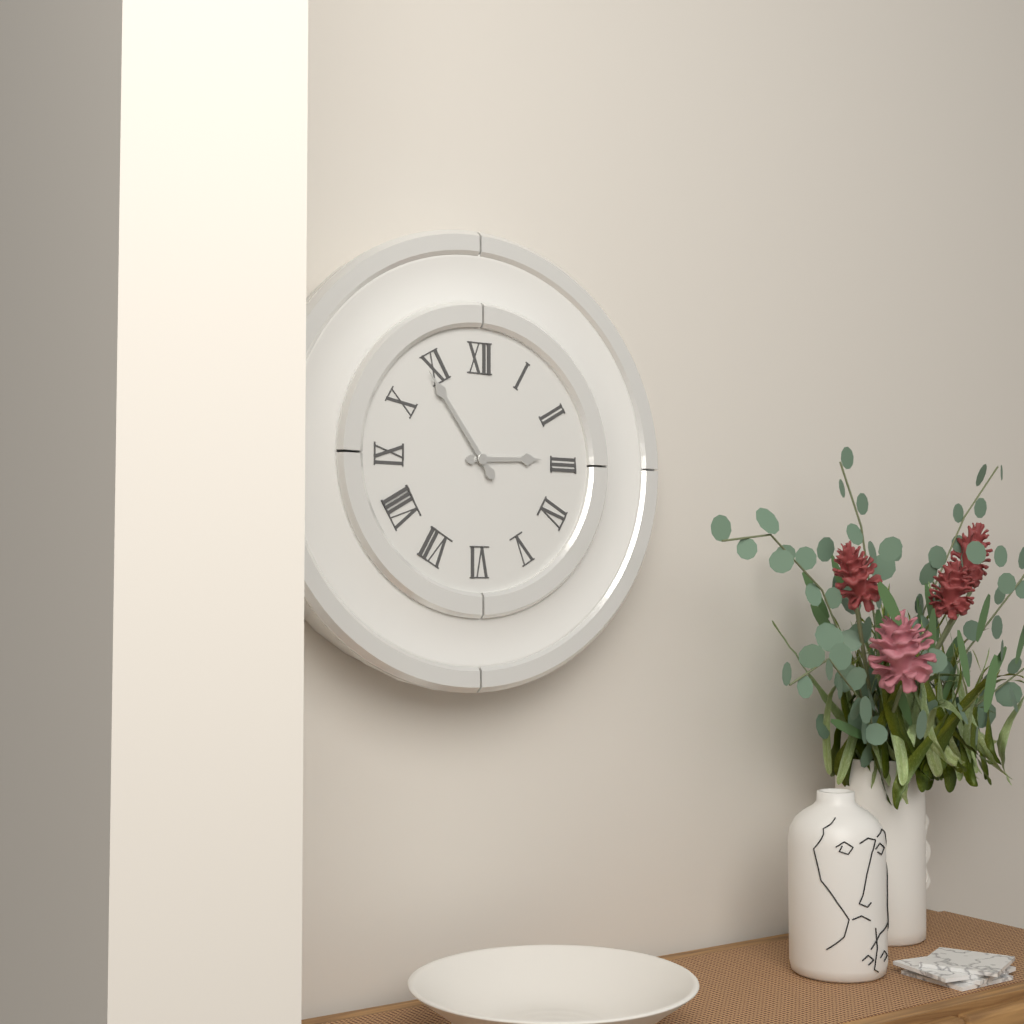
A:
2,54
